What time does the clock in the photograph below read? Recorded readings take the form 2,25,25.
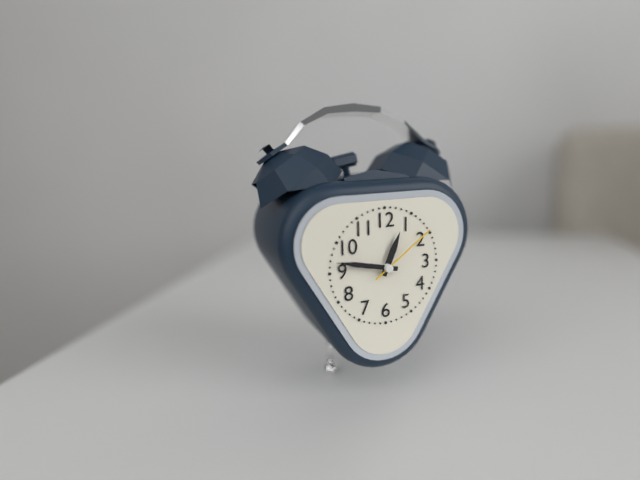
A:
12,47,09
